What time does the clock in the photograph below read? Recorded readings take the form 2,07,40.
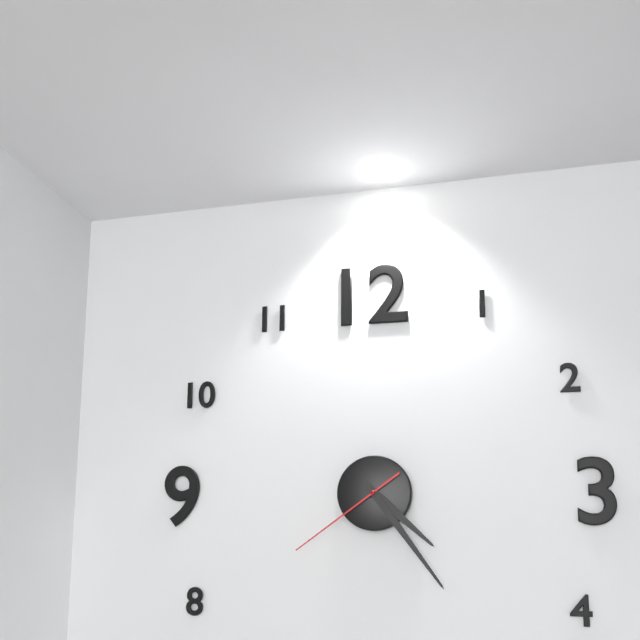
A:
4,24,39
